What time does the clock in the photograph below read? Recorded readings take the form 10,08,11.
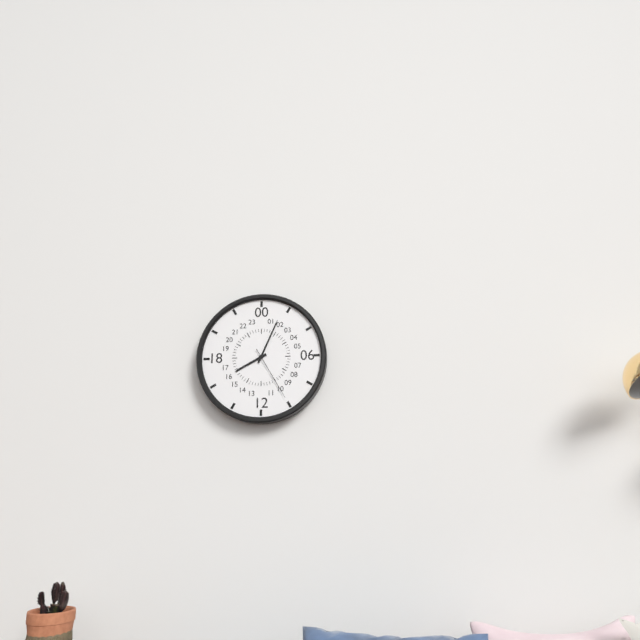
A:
8,04,25
